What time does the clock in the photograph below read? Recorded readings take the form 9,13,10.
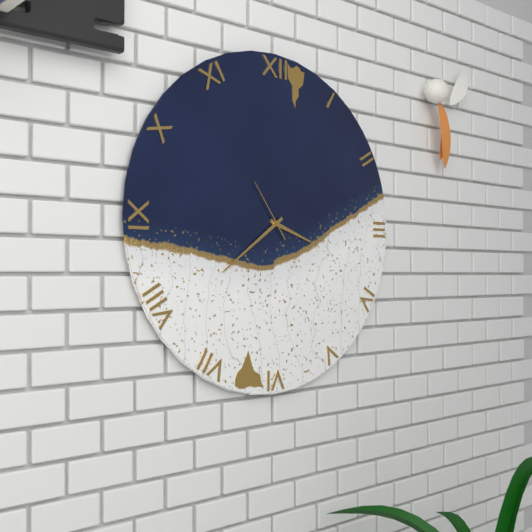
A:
3,39,54
